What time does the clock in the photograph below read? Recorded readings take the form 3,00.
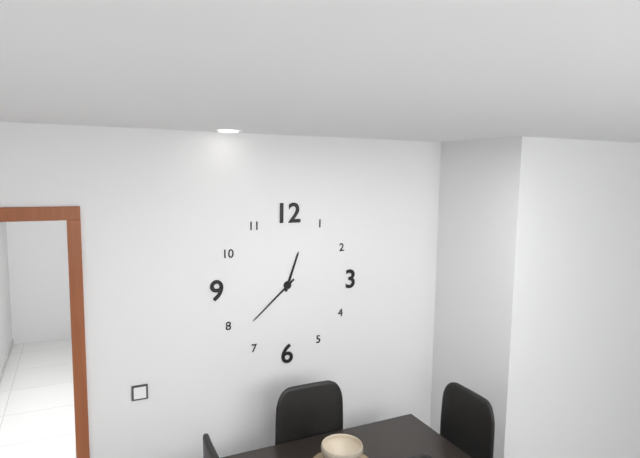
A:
12,38
